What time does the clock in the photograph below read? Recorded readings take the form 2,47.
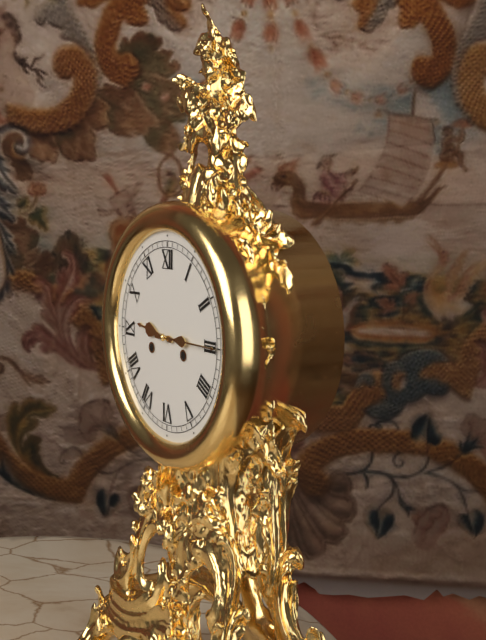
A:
9,15
